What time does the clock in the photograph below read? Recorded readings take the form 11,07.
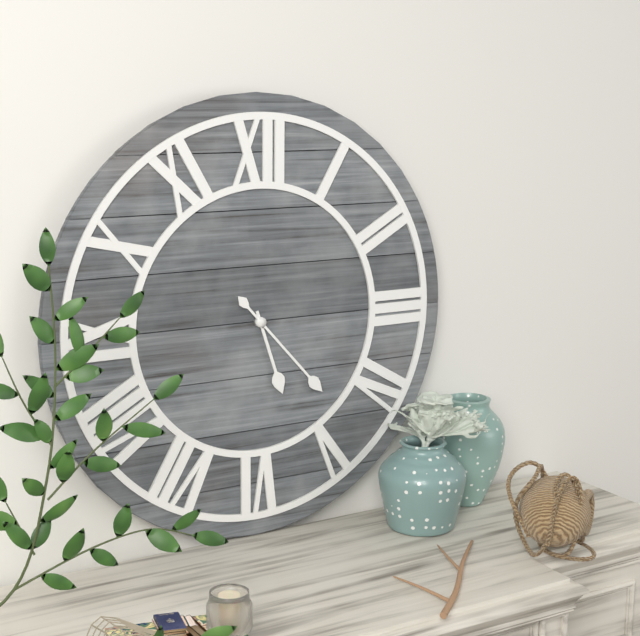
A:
5,23
